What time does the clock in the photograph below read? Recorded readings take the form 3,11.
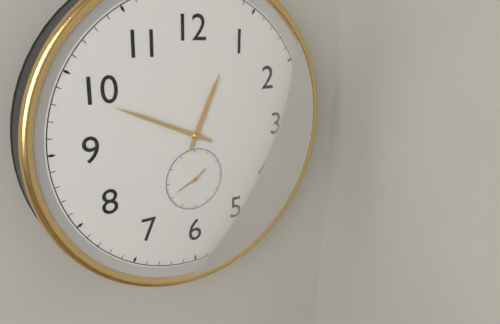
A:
12,49
